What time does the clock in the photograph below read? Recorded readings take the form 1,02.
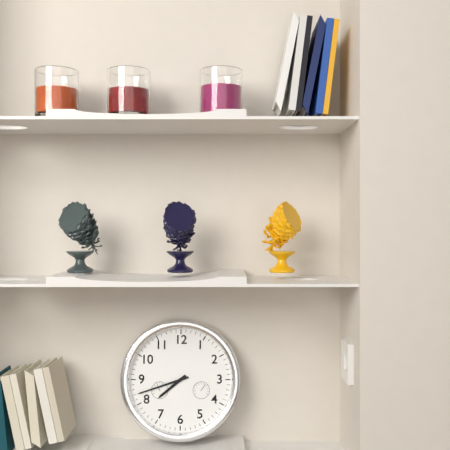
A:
7,42
